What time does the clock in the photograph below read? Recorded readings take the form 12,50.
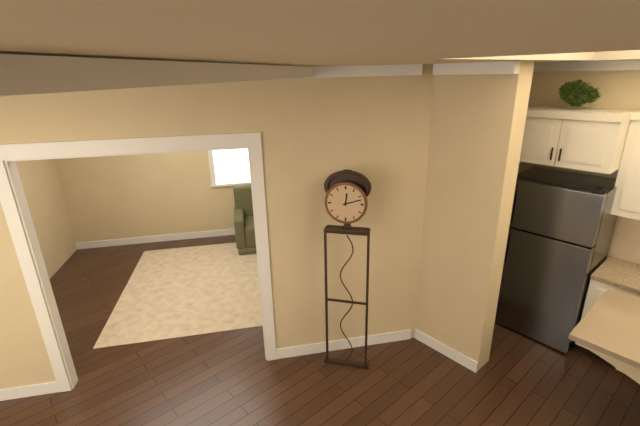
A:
12,12
